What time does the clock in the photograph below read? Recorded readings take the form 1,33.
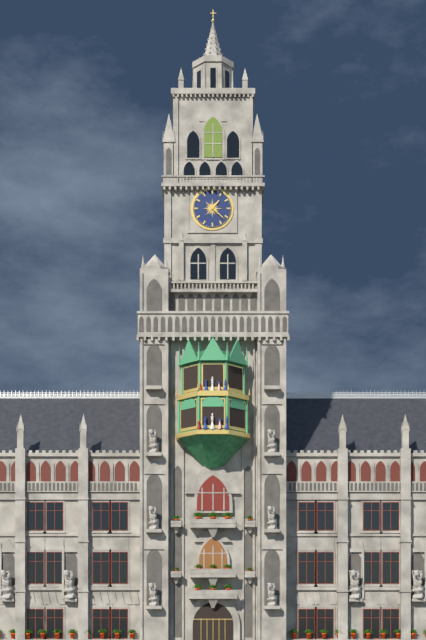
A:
1,22
